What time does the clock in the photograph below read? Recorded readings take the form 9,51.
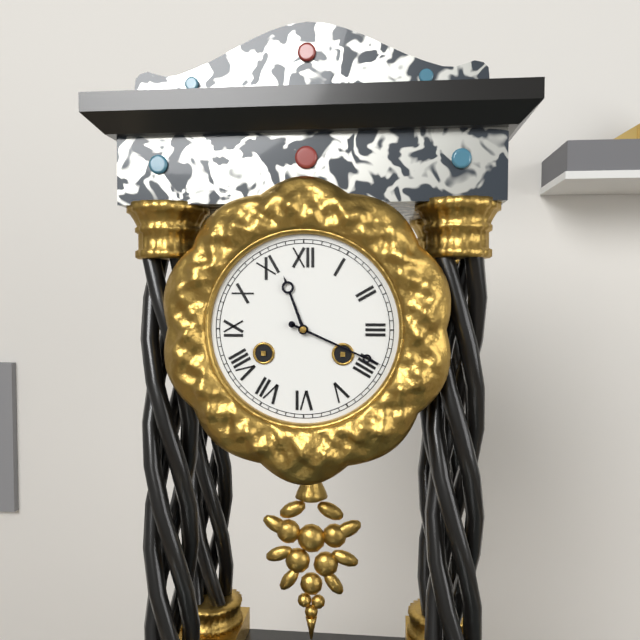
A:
11,19
